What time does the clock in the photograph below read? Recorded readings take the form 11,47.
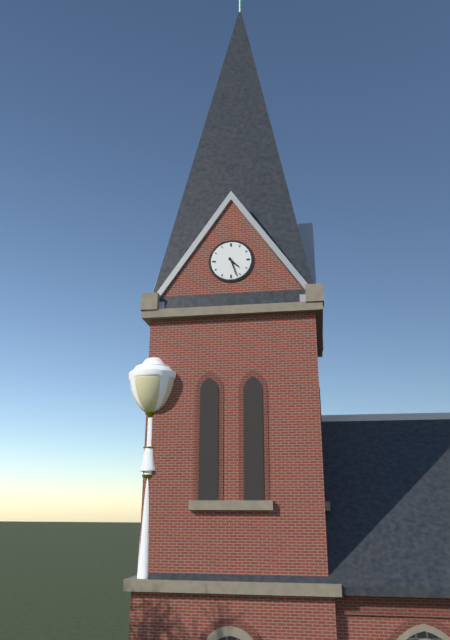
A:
4,27
